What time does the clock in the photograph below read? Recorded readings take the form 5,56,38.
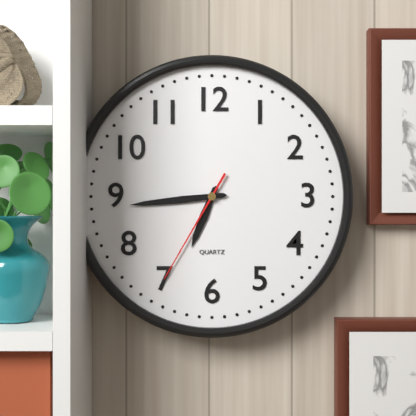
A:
6,44,35
